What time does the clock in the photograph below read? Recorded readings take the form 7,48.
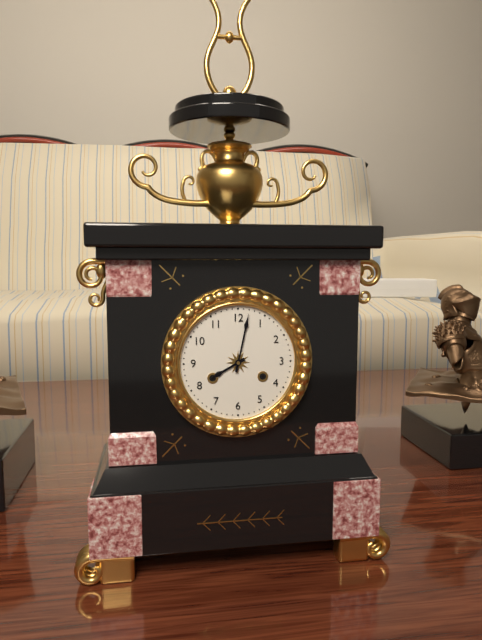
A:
8,02
